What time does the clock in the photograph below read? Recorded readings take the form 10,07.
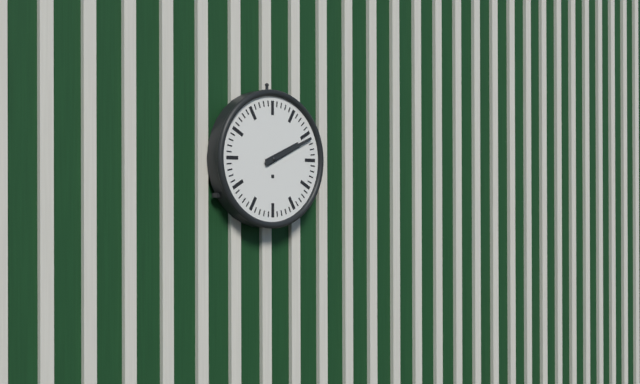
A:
2,11
